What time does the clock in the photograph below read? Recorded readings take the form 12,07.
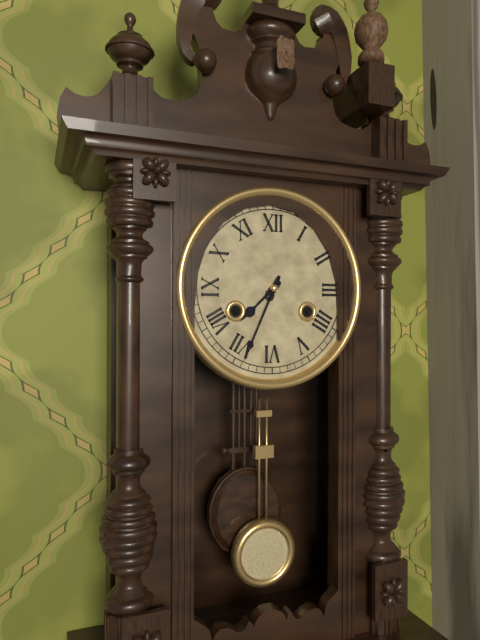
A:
7,34
